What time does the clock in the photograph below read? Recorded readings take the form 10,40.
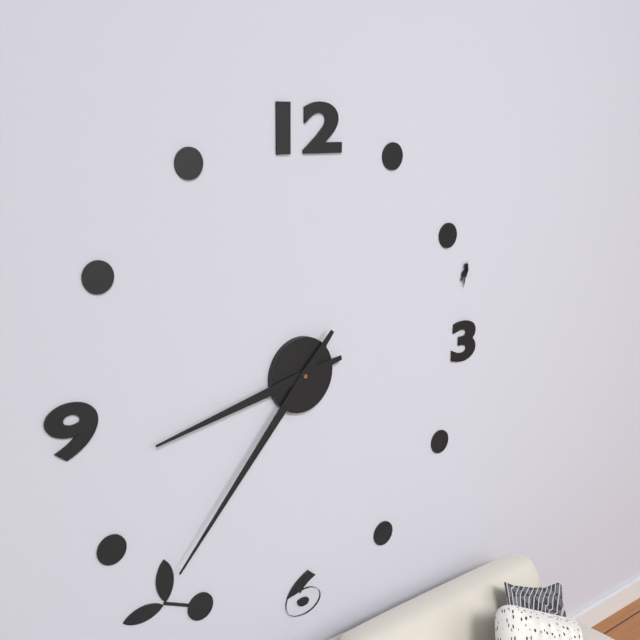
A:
8,37
